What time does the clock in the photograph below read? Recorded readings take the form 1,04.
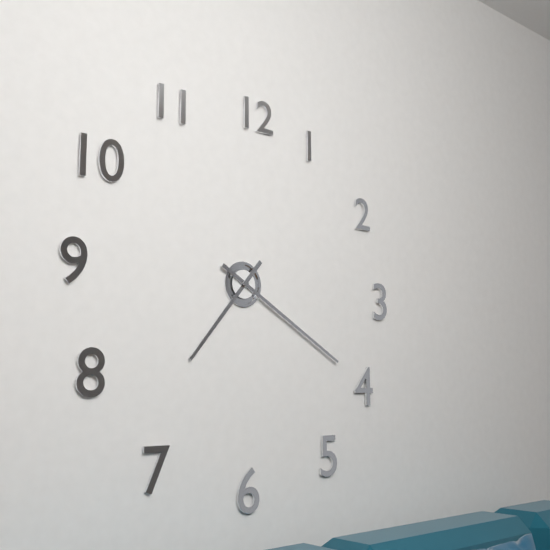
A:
7,20
